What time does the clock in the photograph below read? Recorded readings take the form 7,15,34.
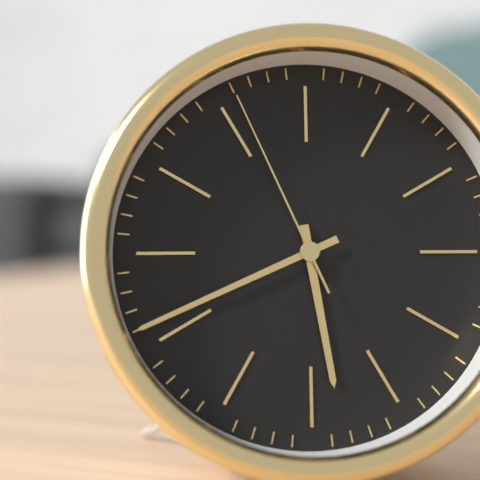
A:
5,41,56
